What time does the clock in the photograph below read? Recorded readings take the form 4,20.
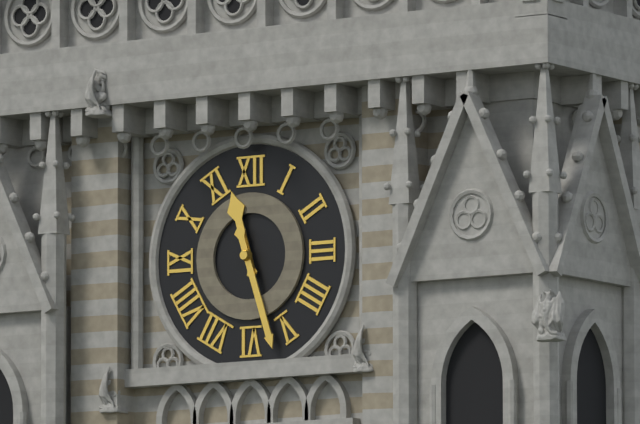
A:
11,27
